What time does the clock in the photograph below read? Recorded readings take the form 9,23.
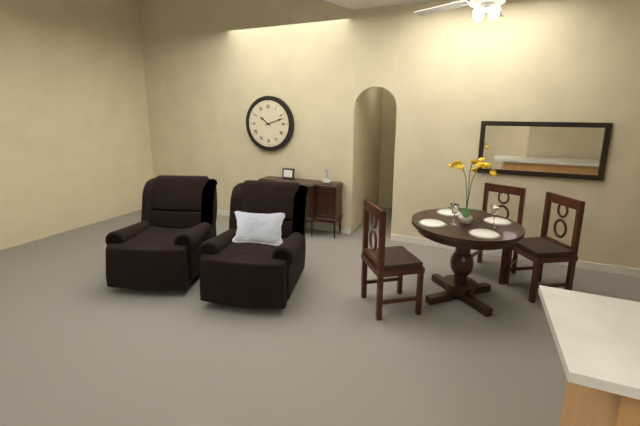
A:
10,12
